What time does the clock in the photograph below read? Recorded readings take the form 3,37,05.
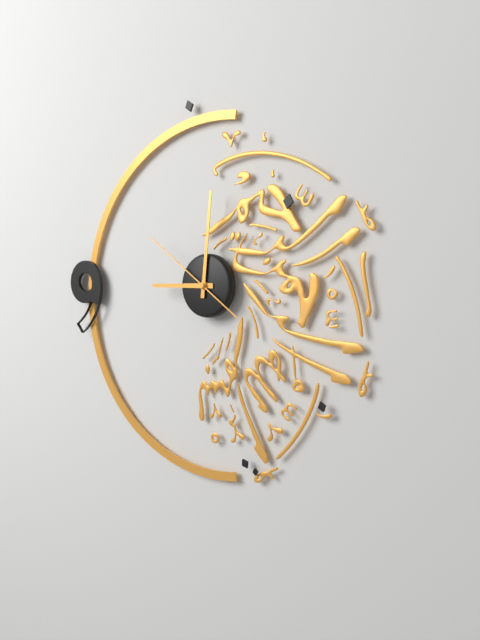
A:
9,01,51
